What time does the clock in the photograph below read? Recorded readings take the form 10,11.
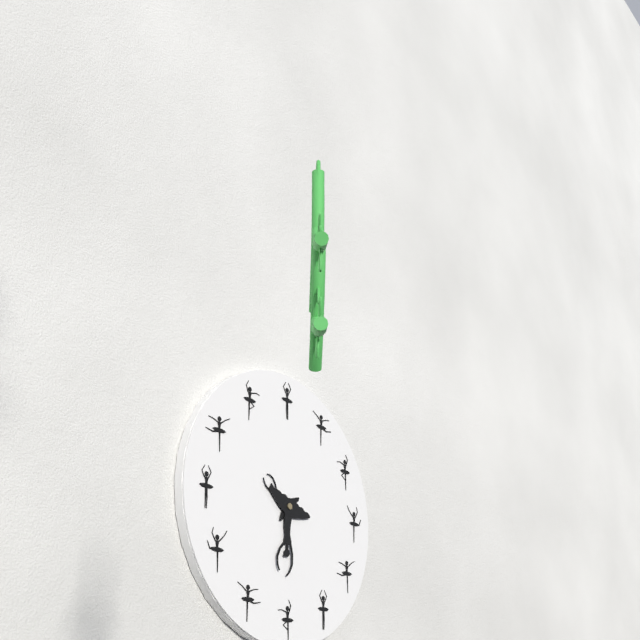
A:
10,33
